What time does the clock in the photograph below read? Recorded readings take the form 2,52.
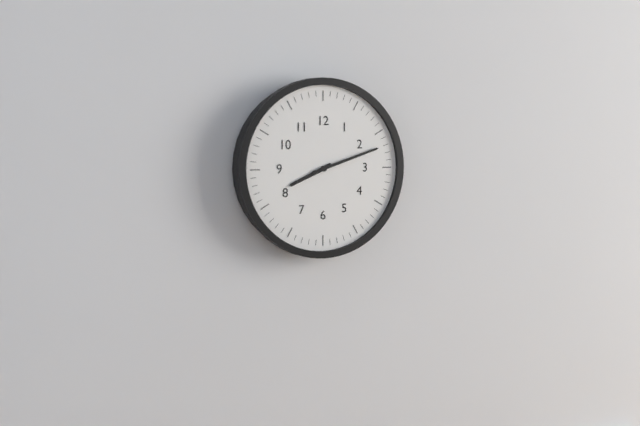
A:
8,12
